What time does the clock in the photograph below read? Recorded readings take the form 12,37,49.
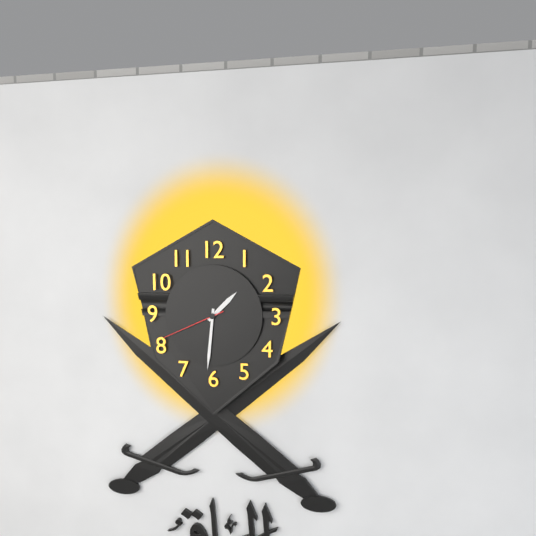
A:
1,31,41
